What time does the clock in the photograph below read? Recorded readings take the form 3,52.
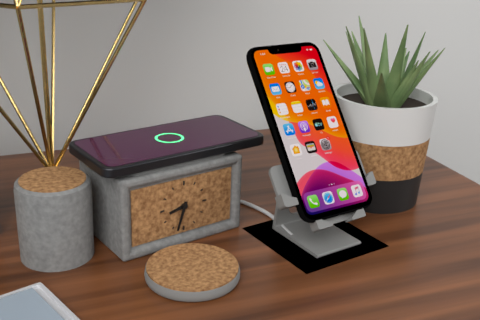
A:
8,33
